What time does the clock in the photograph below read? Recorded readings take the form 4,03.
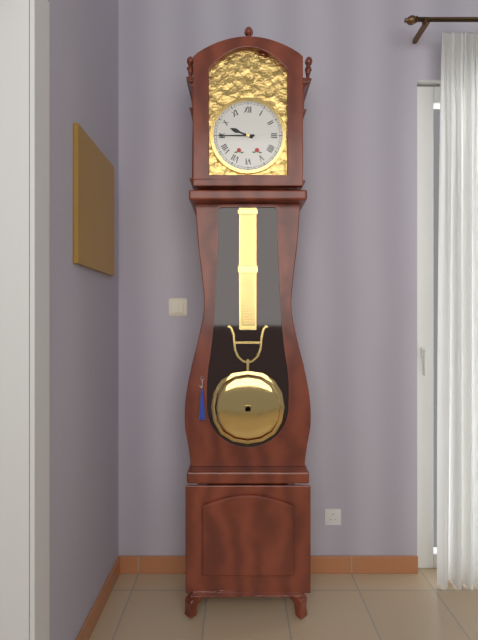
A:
9,45
